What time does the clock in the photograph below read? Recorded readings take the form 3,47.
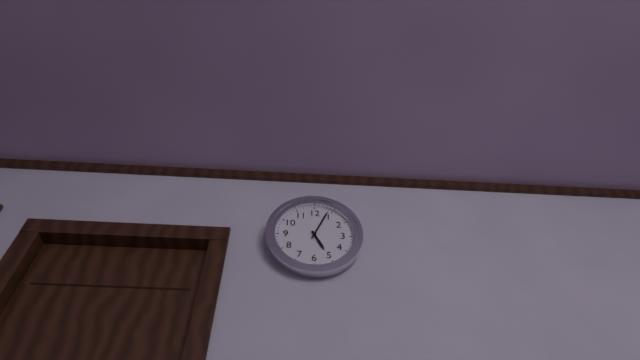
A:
5,04
